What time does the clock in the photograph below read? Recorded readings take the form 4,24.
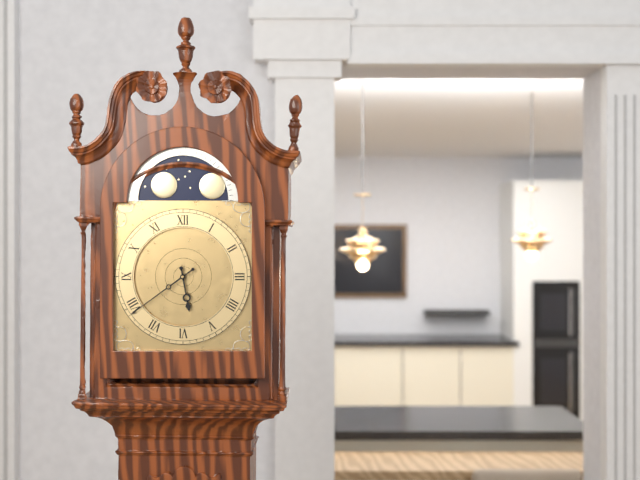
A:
5,39
